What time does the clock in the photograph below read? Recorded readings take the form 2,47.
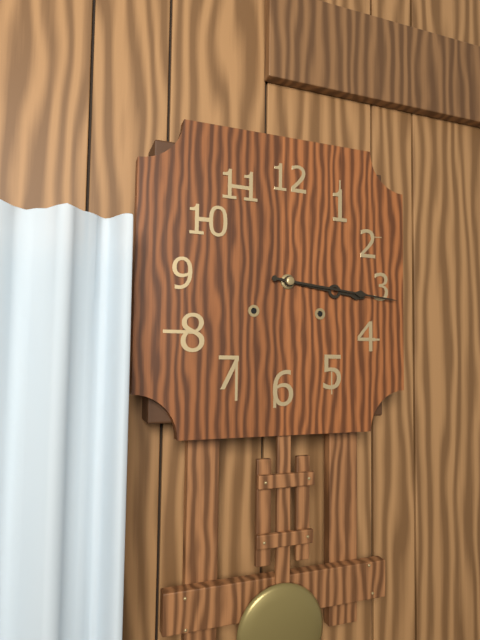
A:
3,16
